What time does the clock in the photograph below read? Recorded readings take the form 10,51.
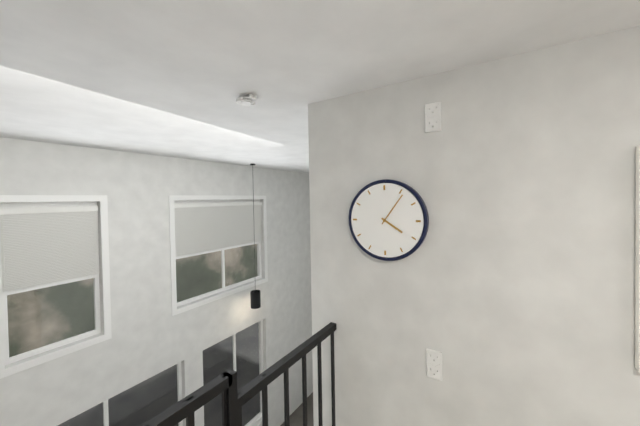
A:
4,06
